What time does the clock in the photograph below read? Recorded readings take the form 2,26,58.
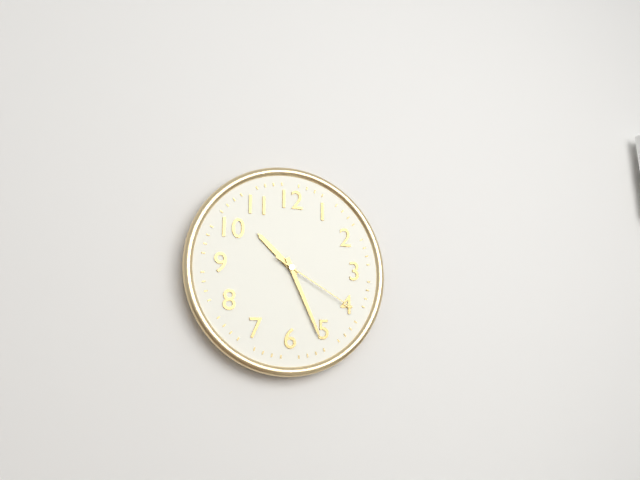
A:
10,26,20
